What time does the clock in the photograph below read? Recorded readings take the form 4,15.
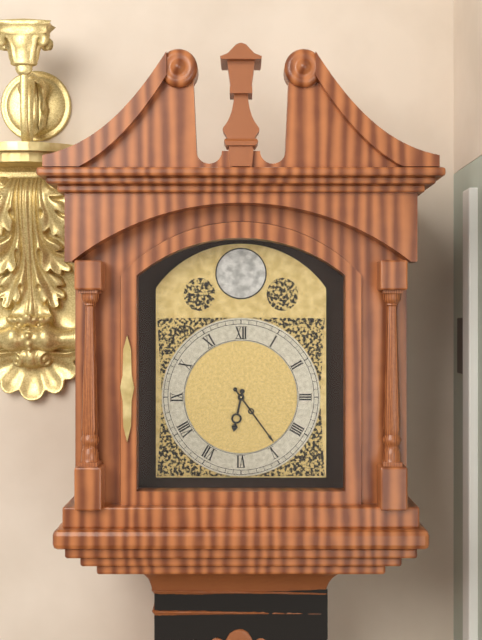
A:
6,24
